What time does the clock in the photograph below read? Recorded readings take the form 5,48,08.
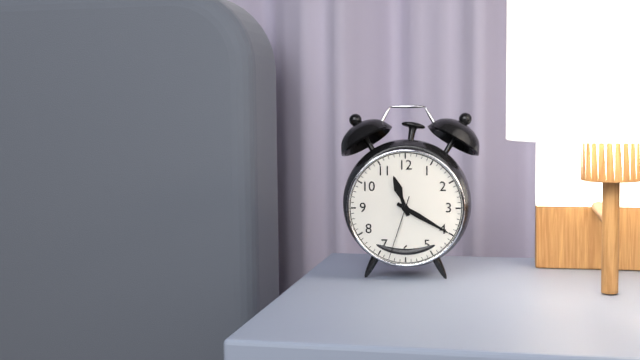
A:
11,20,33
